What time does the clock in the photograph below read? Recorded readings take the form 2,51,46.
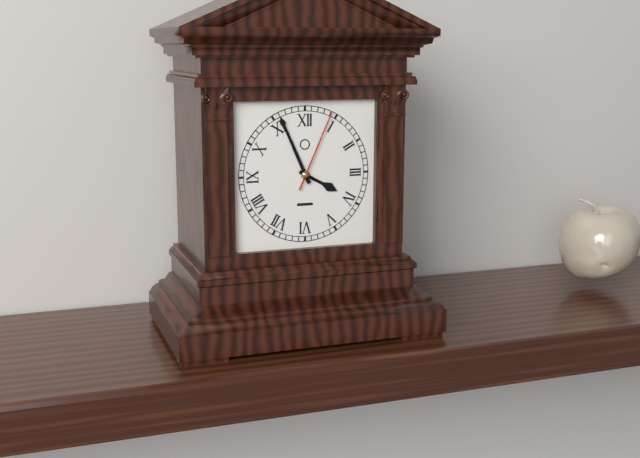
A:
3,56,04
